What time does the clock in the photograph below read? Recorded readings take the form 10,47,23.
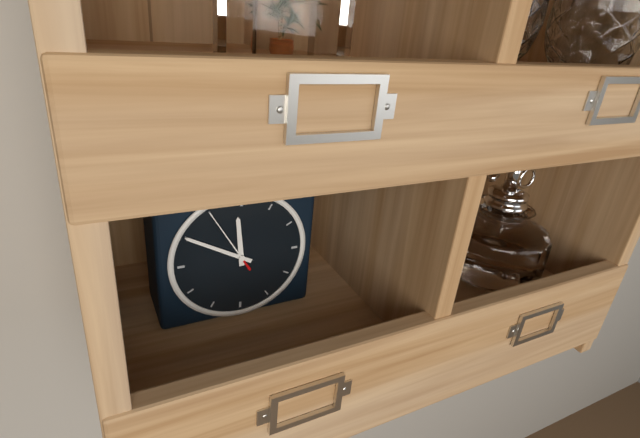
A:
11,50,55
